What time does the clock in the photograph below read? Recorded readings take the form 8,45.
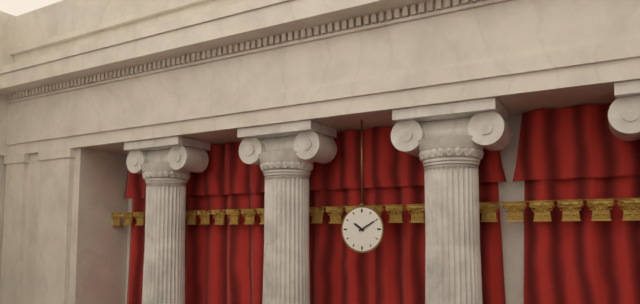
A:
10,10
